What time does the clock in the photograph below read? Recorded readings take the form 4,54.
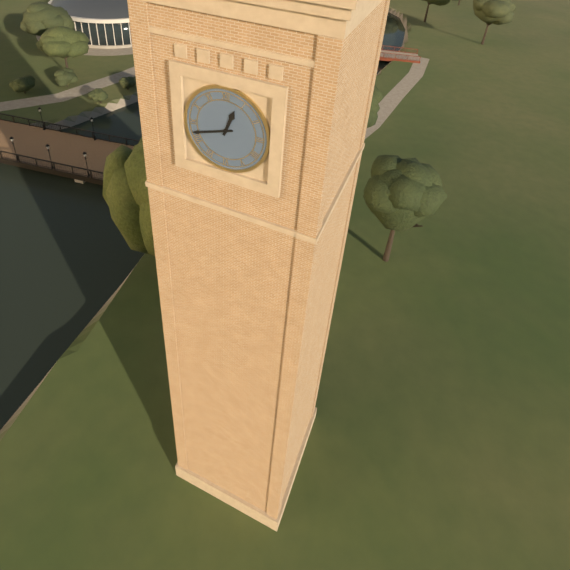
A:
12,42
